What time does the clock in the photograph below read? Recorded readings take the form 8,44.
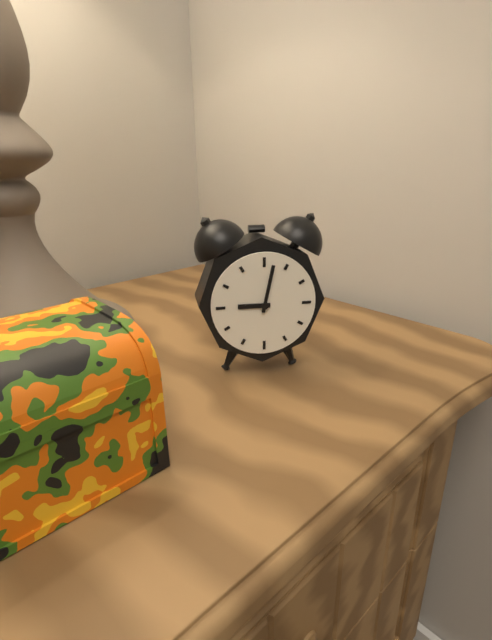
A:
9,02
